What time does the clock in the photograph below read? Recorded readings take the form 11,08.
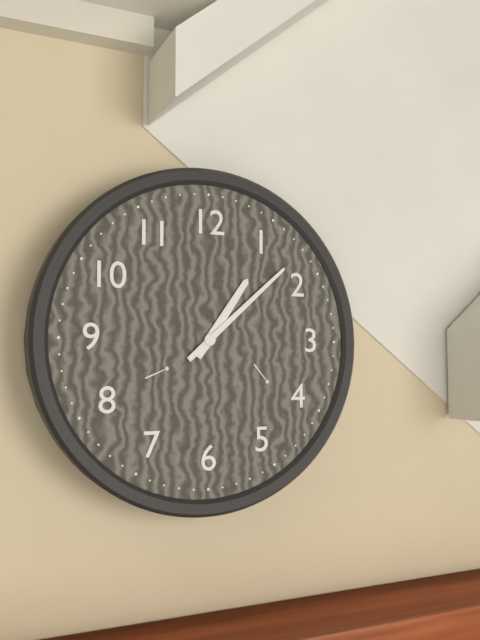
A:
1,08
